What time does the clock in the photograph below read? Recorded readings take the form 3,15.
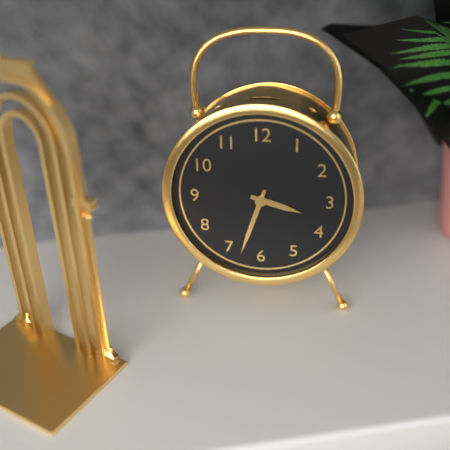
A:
3,33
